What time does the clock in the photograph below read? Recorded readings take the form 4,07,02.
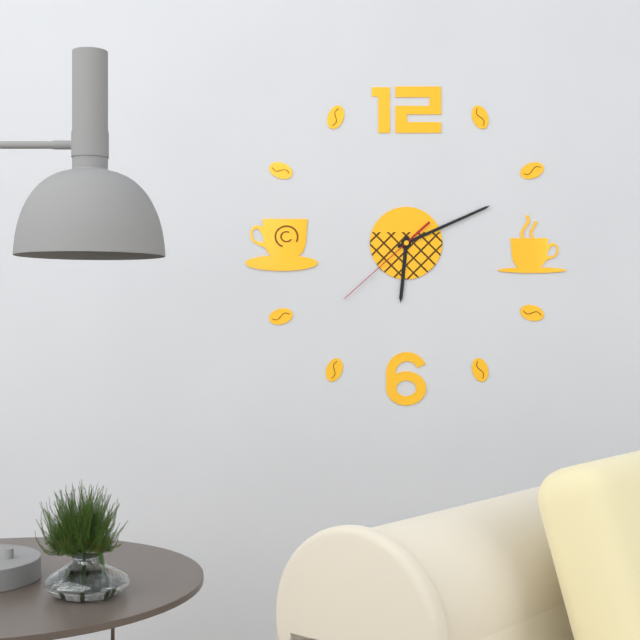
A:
6,11,38
